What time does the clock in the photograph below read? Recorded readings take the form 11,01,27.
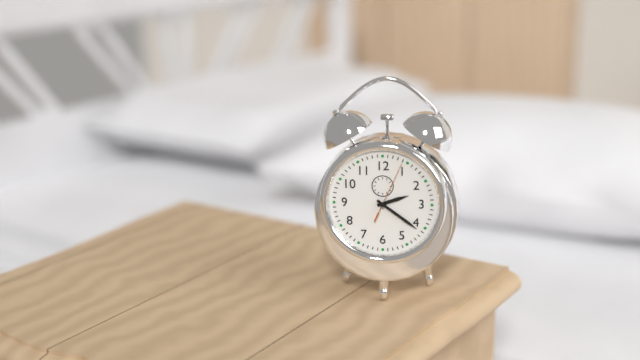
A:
2,21,04
